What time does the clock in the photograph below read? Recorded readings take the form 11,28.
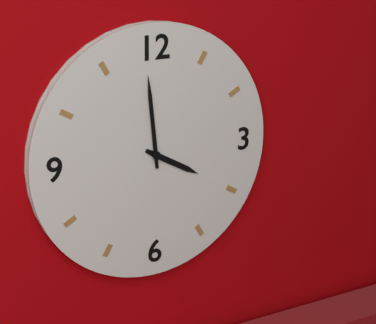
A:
3,59
